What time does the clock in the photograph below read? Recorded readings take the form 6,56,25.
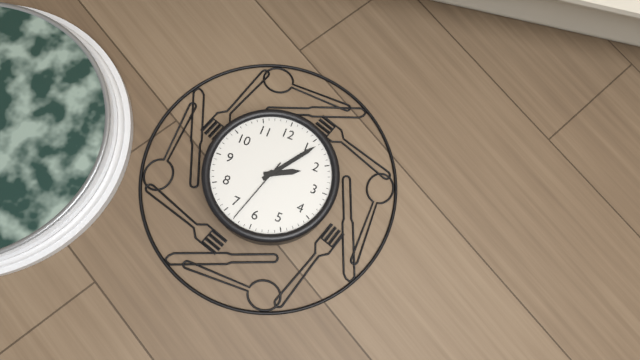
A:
2,06,33
